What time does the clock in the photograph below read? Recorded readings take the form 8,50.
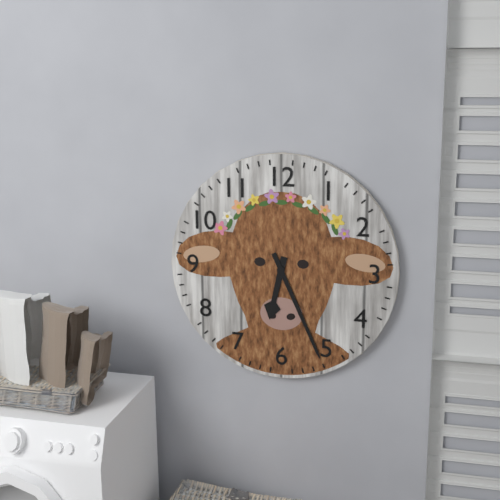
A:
6,26
